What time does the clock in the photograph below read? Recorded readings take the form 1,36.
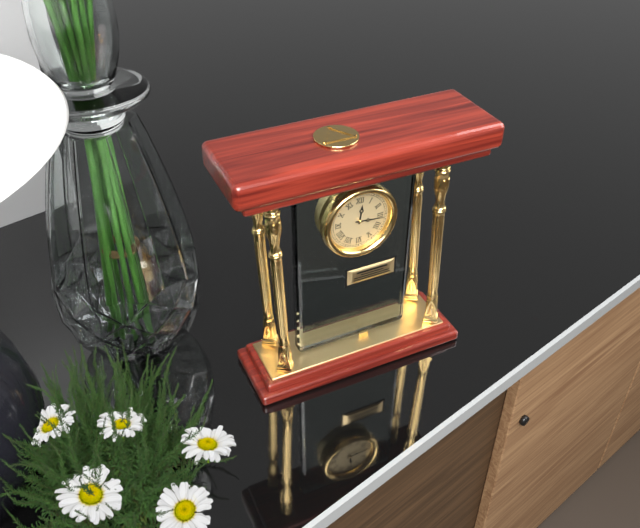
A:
12,16
